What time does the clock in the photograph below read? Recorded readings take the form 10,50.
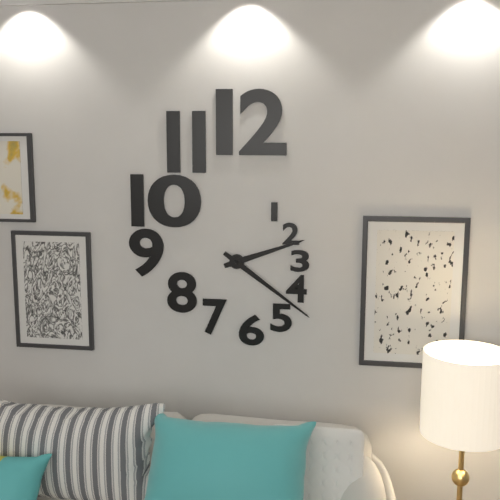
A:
2,21
